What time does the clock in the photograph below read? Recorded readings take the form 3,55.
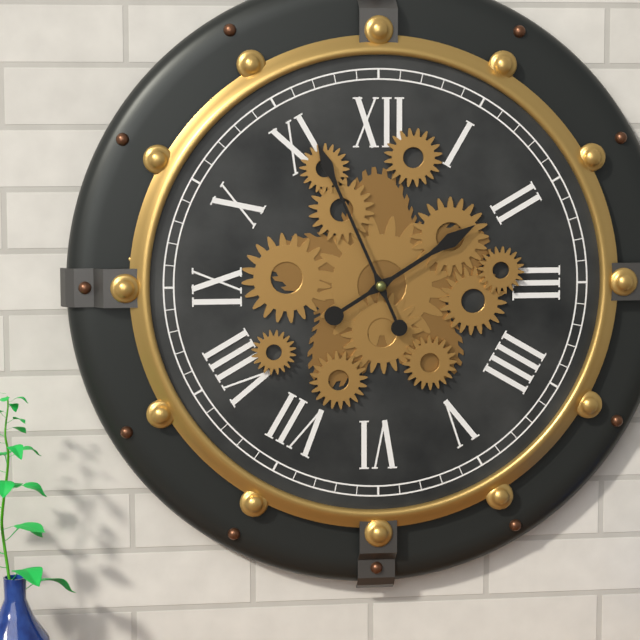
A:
1,56
